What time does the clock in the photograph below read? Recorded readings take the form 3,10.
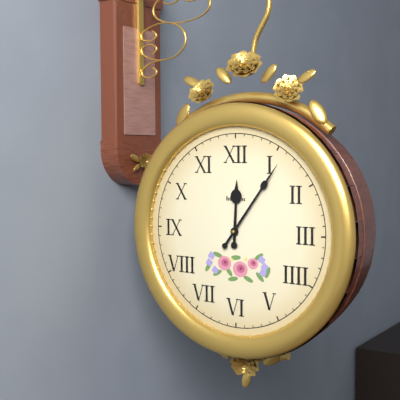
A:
12,06
